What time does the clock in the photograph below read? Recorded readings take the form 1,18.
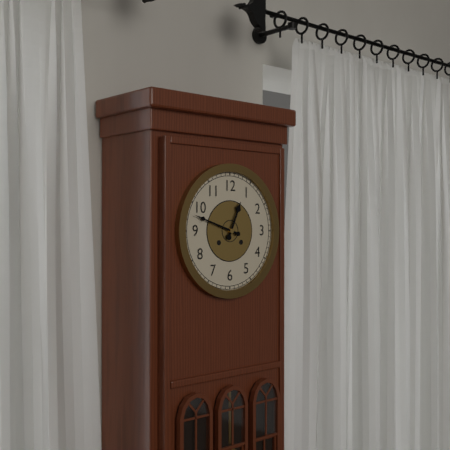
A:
12,48
